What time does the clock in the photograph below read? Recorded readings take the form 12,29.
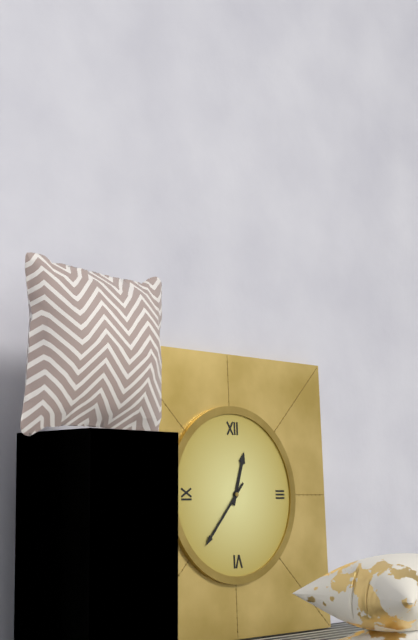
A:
12,37
